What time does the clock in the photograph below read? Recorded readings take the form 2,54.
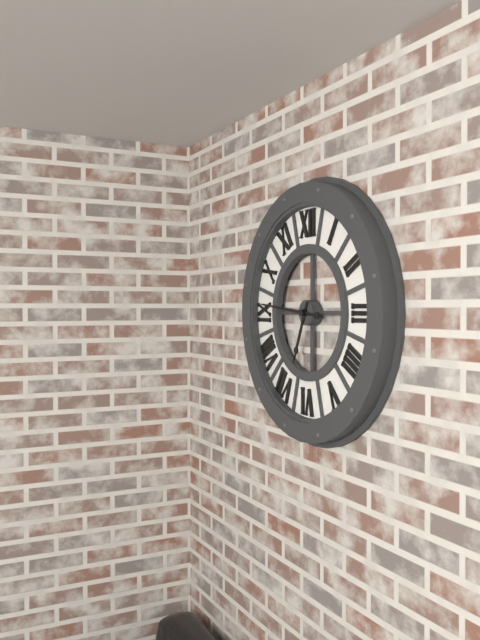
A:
6,46
